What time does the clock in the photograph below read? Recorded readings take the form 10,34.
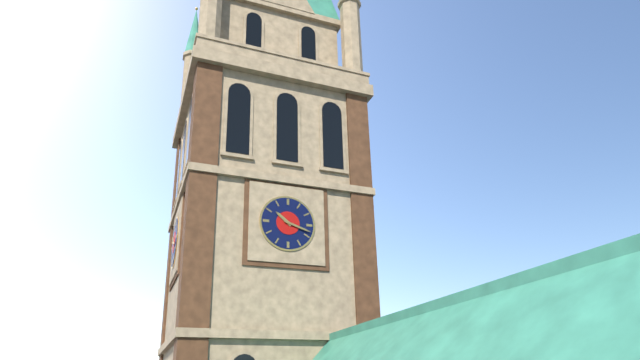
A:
10,18
